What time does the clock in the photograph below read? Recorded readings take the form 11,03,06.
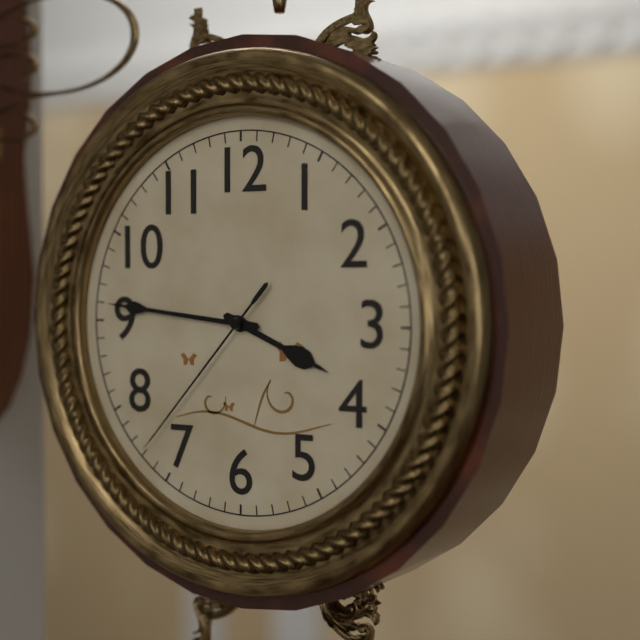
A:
3,46,37
